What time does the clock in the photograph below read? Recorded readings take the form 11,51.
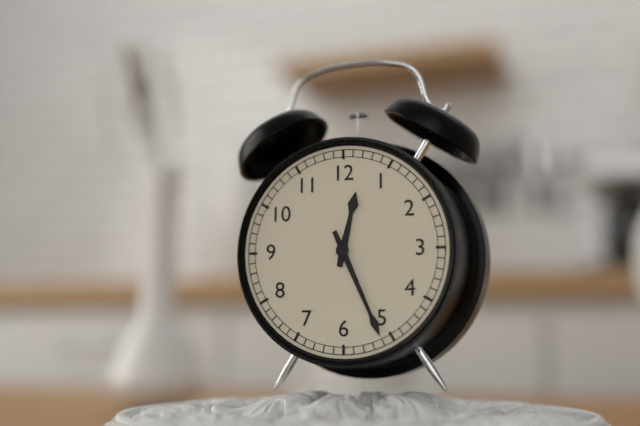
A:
12,26
